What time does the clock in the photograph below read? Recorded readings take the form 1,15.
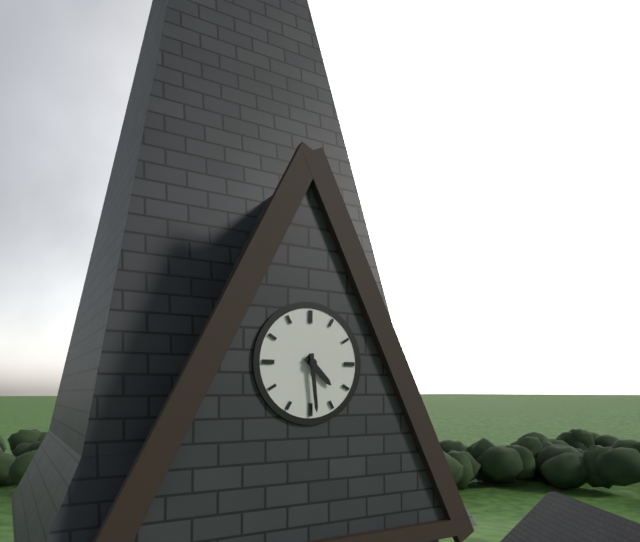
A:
4,29
